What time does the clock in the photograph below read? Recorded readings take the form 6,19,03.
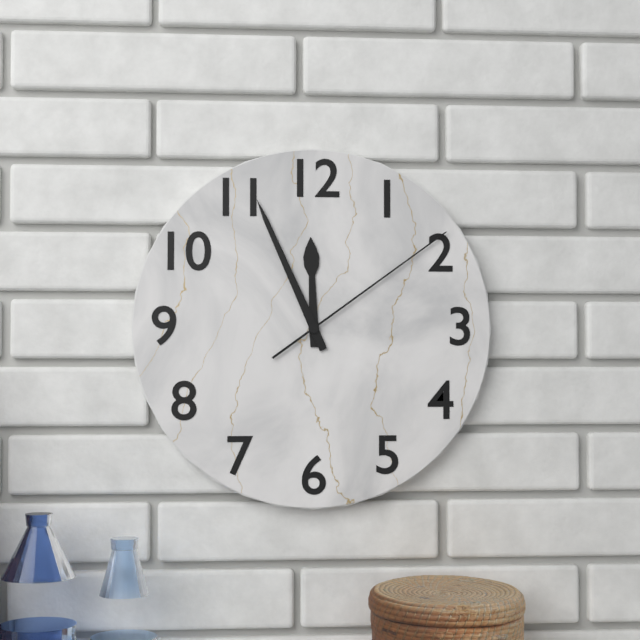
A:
11,56,09
